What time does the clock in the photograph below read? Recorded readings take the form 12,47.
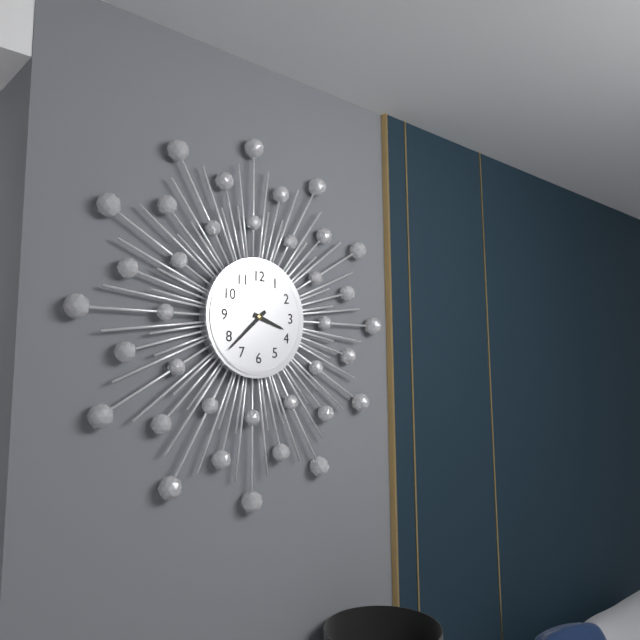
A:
3,38
